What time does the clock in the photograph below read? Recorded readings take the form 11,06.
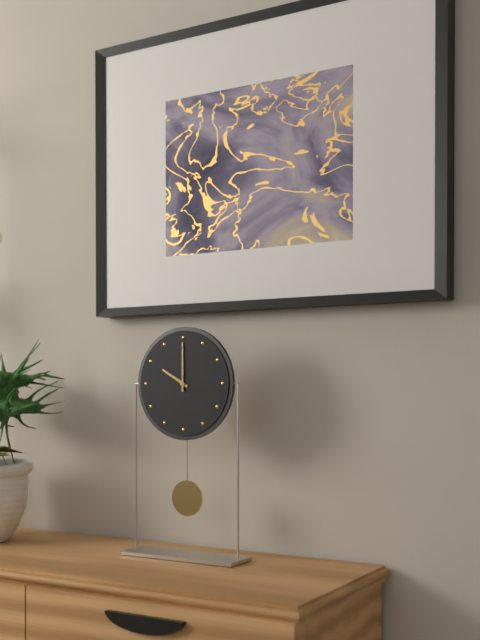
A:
10,00
